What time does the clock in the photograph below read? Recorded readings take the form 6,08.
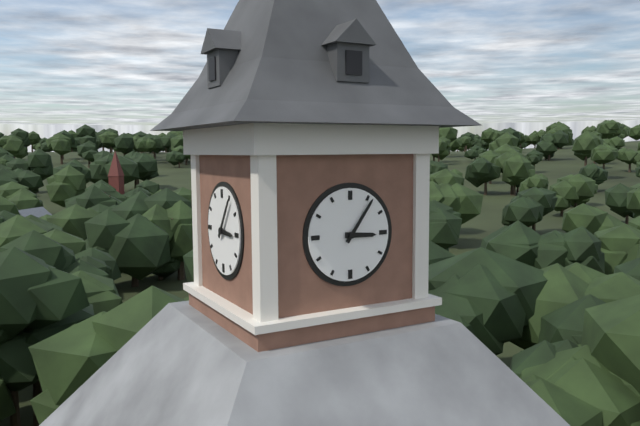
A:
3,06
